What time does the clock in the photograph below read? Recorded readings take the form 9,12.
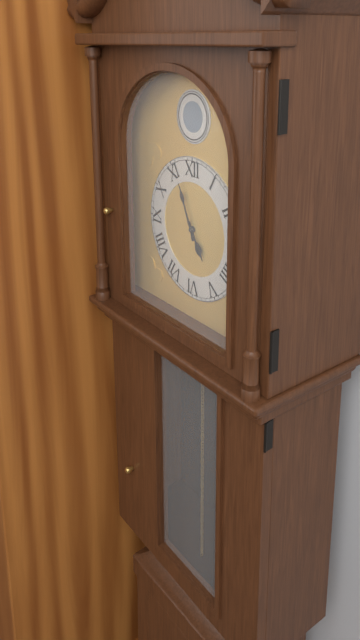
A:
4,56
